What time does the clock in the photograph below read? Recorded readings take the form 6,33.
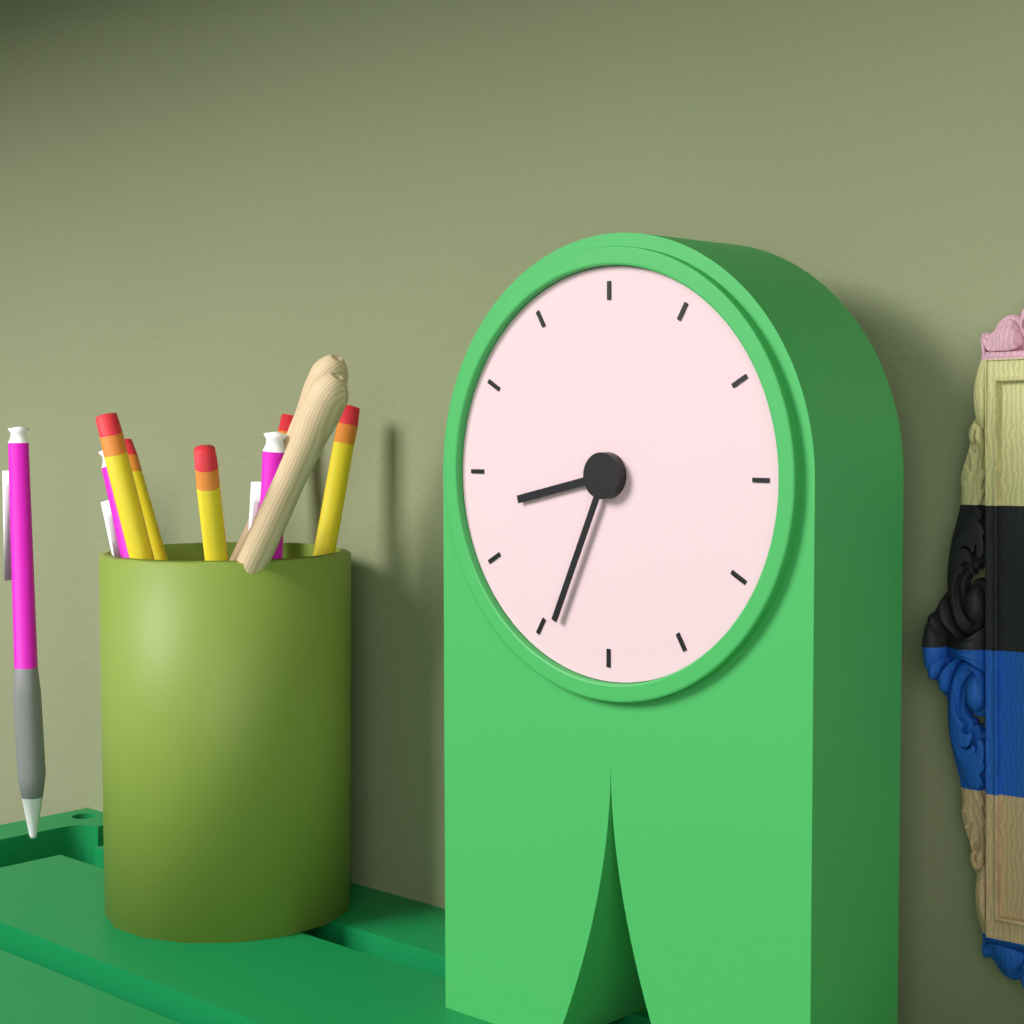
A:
8,34
